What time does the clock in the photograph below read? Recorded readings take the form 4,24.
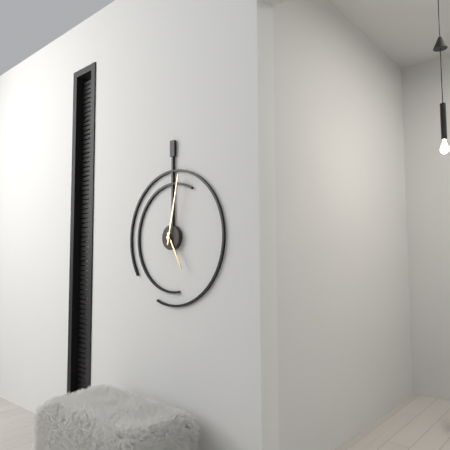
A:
5,02
